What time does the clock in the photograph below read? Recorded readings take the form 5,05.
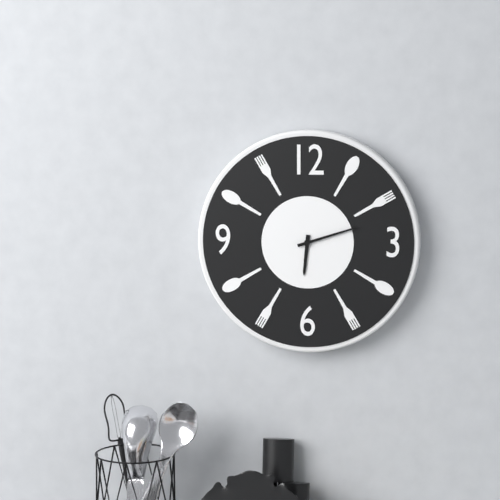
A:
6,12
